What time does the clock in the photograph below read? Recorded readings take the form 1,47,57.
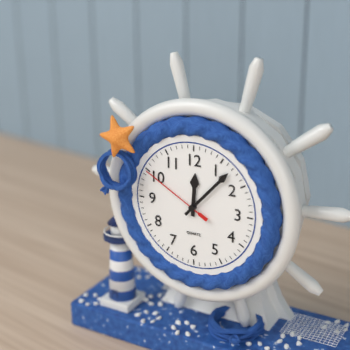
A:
12,07,50
